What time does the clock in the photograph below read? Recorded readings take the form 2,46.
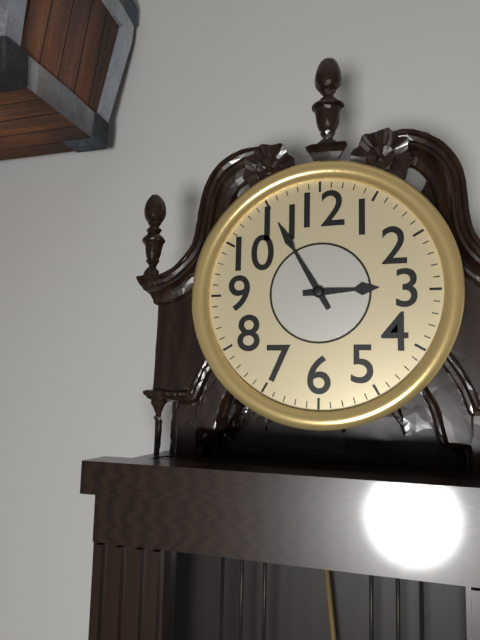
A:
2,55
